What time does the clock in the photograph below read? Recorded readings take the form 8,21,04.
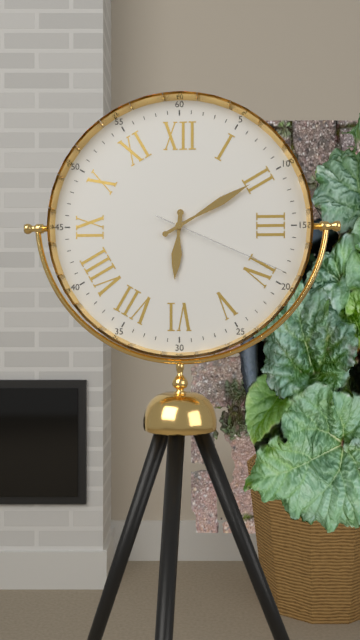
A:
6,10,19
